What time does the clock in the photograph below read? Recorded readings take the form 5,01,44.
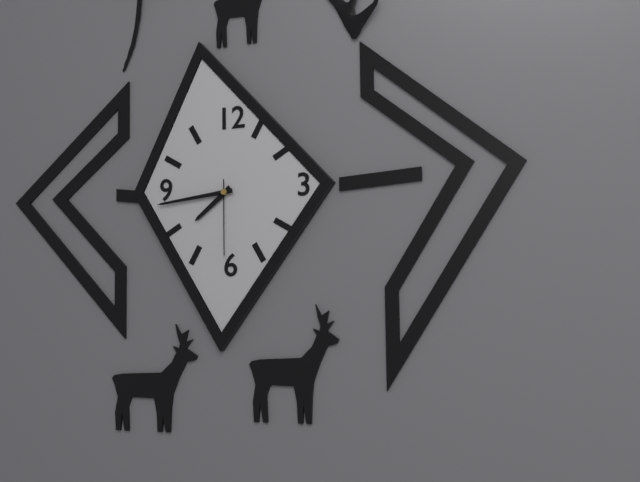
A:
7,44,30
